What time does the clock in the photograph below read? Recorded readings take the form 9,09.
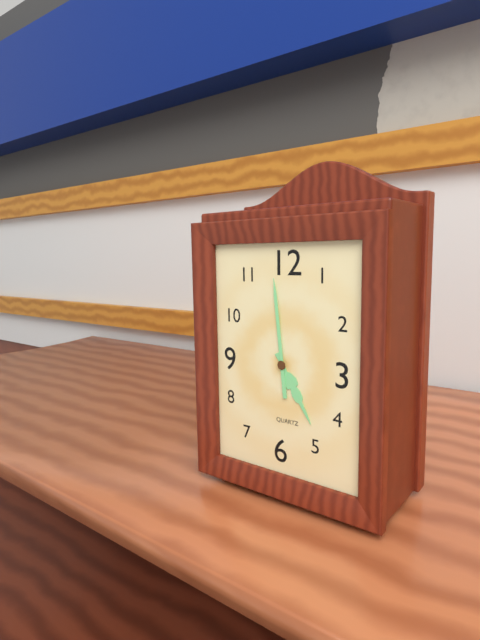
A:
4,59
